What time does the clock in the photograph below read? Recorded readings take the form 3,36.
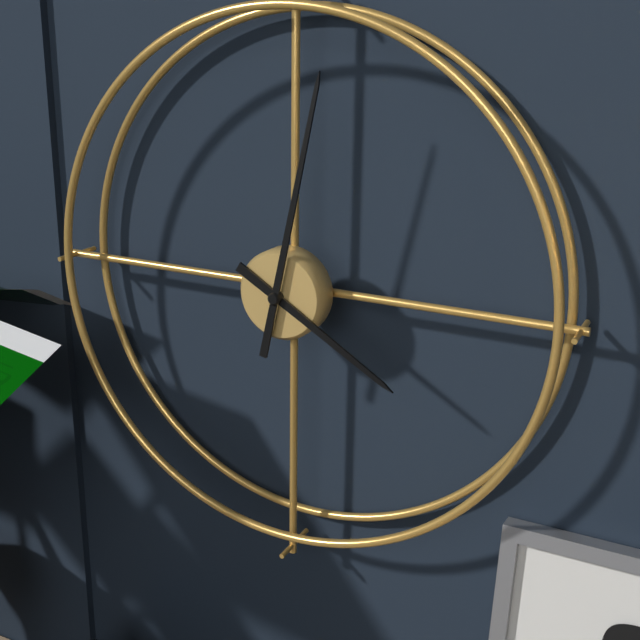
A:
4,02
